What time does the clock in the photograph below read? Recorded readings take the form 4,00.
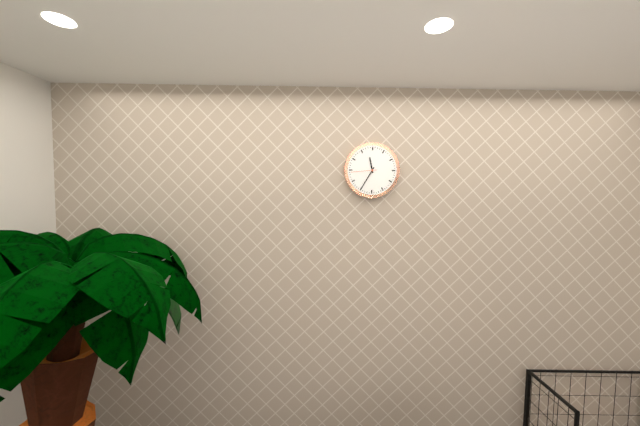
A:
11,35
